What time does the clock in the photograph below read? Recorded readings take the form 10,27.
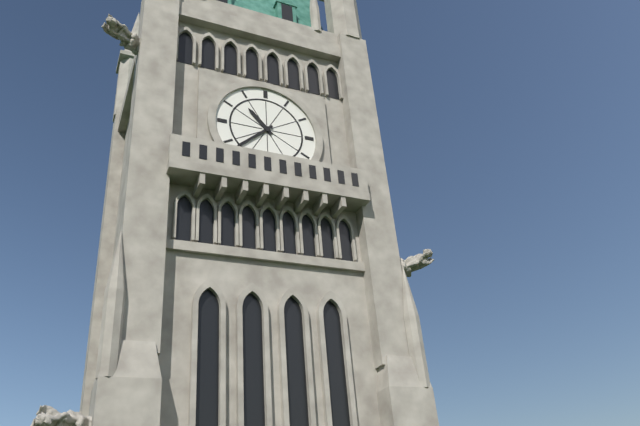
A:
10,38
